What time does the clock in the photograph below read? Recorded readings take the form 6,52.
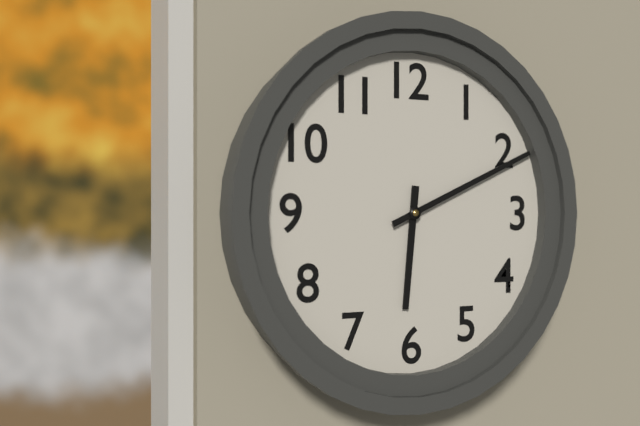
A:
6,11
